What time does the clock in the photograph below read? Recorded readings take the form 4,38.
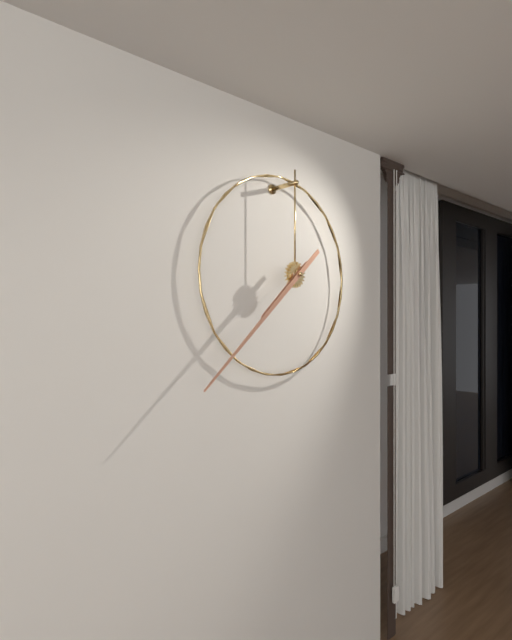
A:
7,38
